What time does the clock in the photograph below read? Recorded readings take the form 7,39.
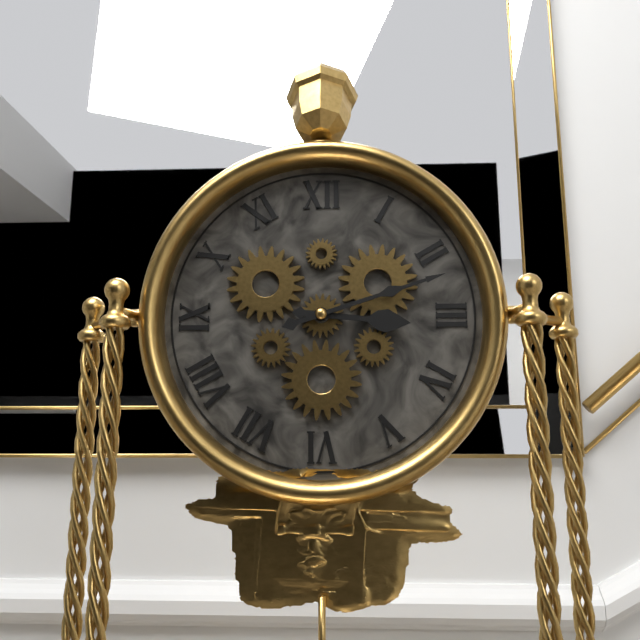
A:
3,12
